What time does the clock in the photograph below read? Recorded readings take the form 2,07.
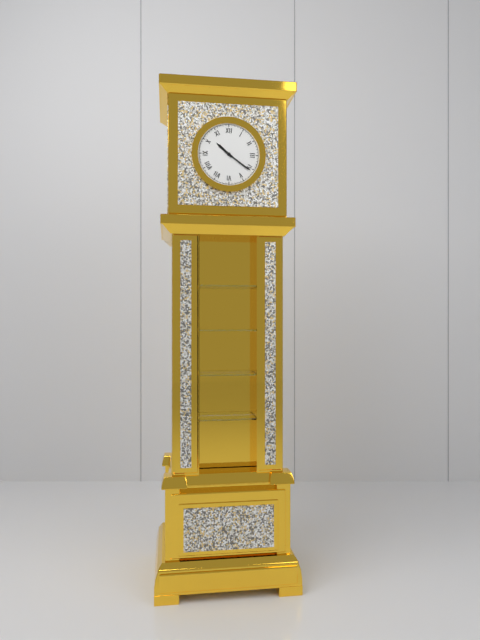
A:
10,21
